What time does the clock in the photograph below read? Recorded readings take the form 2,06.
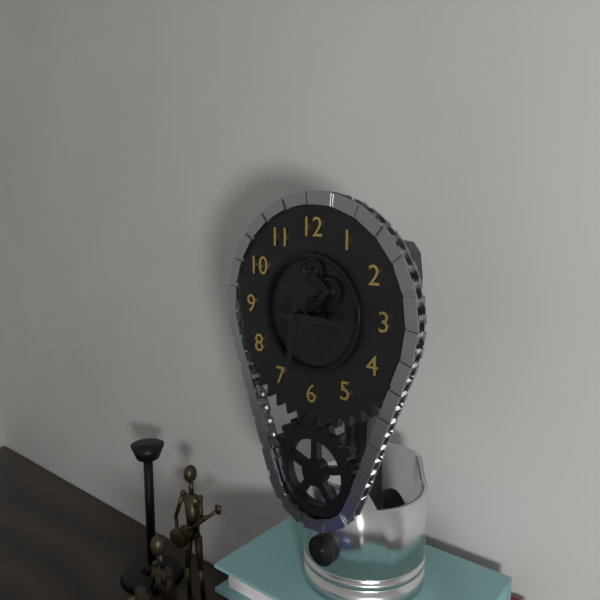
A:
6,15
